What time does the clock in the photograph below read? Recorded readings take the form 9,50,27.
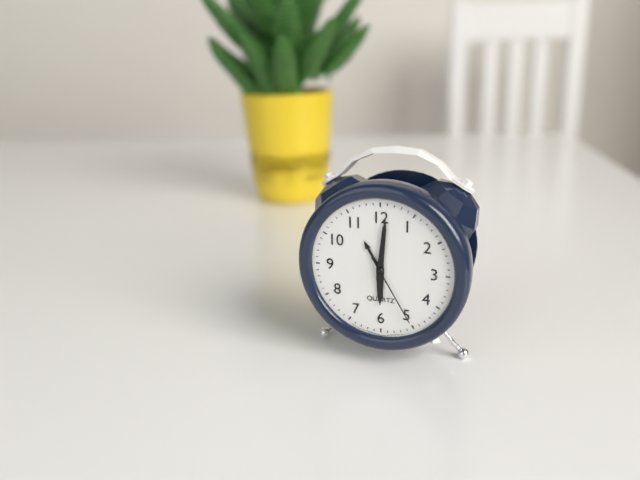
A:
6,01,25
